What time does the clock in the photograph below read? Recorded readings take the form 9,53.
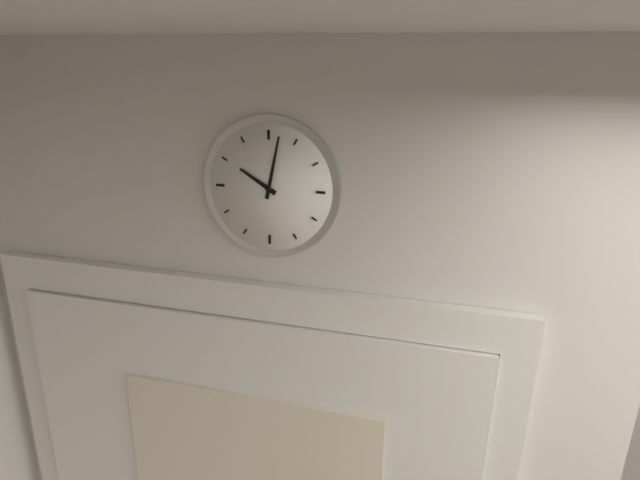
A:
10,02
